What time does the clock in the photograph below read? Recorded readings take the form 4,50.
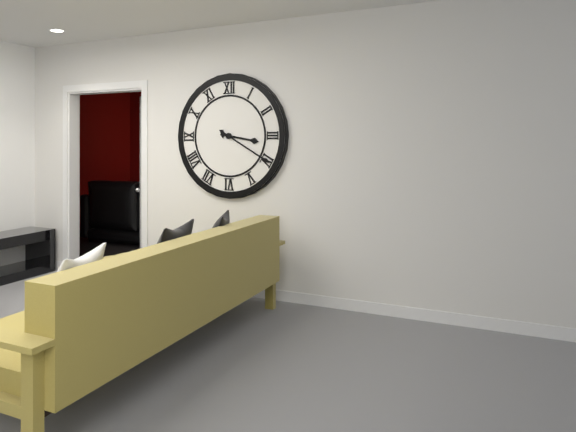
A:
3,20
